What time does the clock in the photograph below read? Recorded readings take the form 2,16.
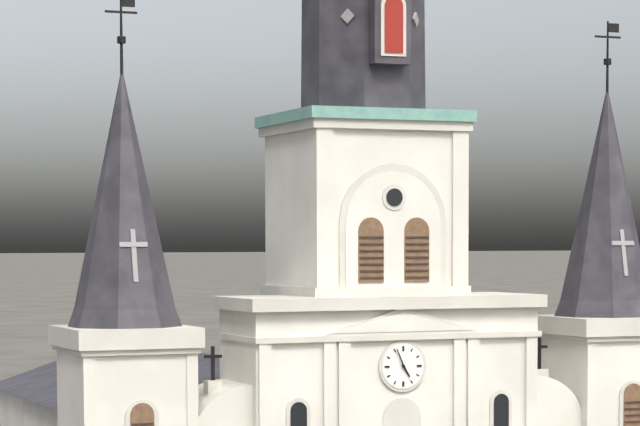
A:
4,56
